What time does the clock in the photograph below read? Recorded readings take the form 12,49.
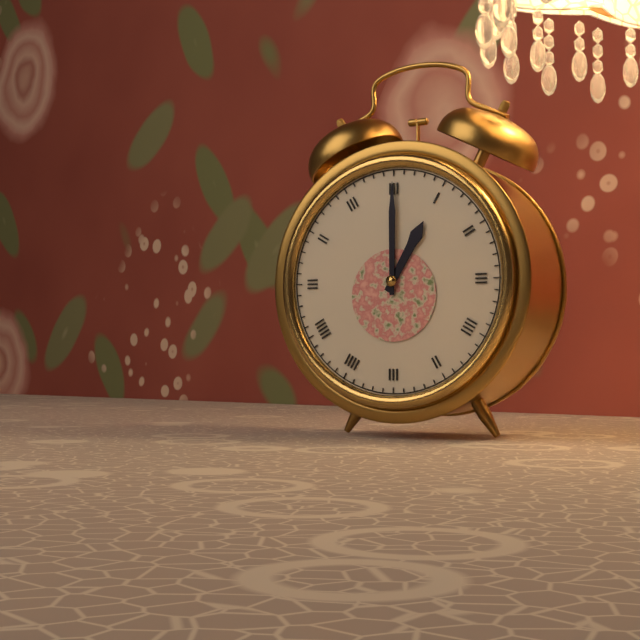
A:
1,00
